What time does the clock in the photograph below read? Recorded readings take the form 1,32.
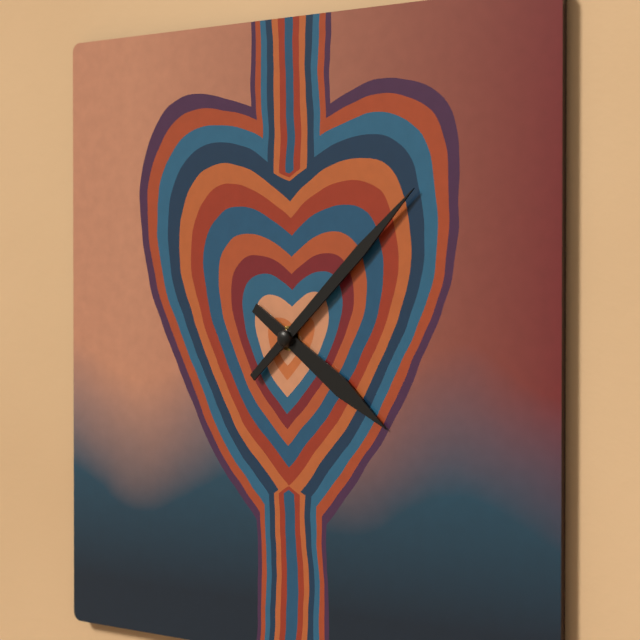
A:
4,08
